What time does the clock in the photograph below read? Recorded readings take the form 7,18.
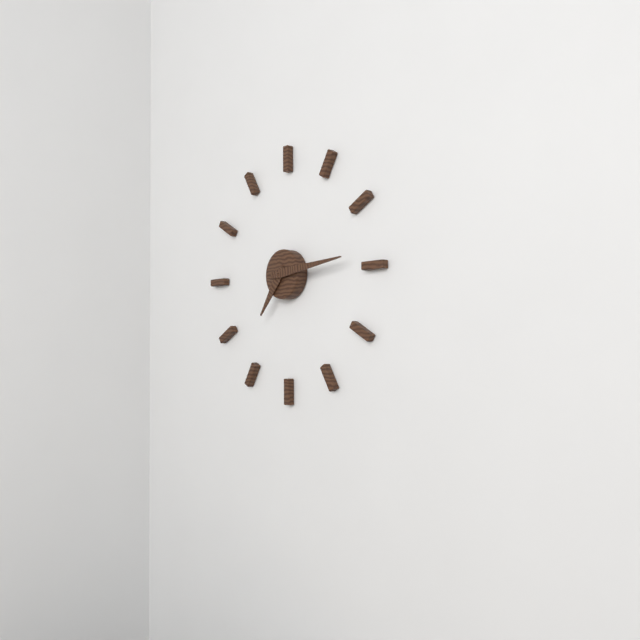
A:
7,14
